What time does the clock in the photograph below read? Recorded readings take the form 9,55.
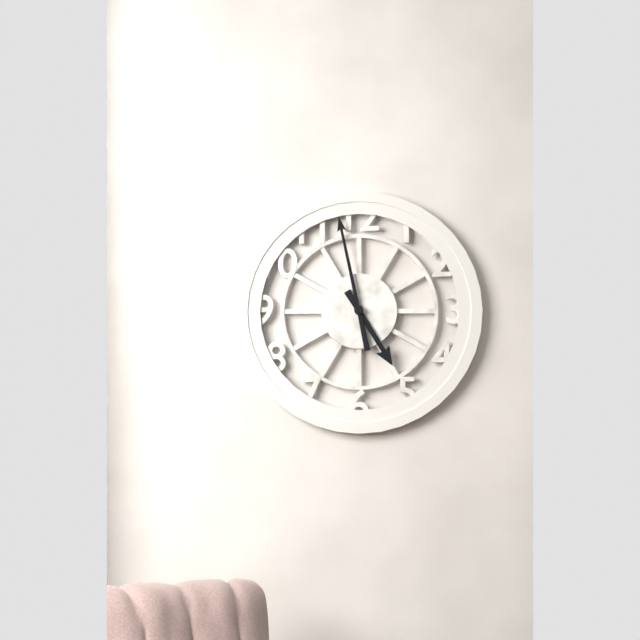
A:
4,58
